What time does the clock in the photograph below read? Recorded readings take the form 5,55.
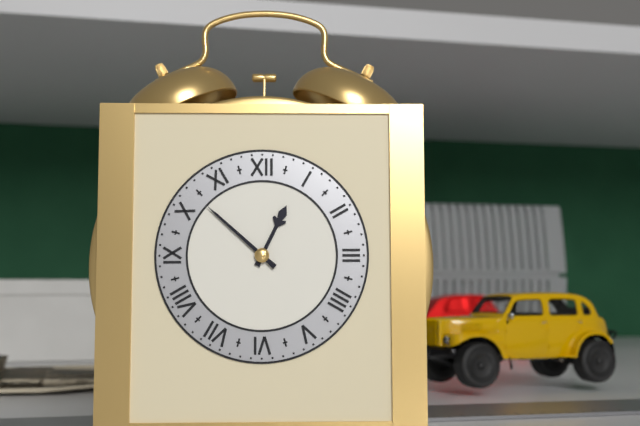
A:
12,52
